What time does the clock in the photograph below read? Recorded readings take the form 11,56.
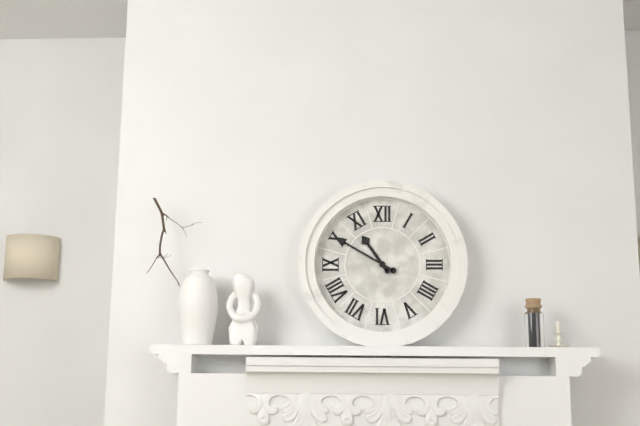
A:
10,50
